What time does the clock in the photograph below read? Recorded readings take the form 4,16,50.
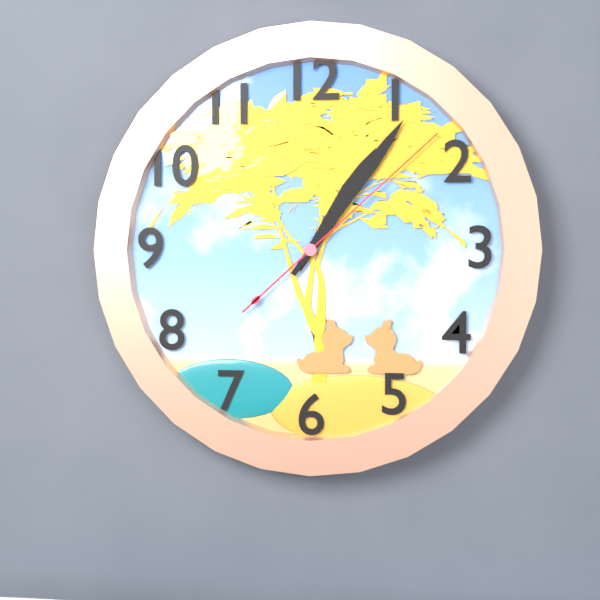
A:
1,06,08
